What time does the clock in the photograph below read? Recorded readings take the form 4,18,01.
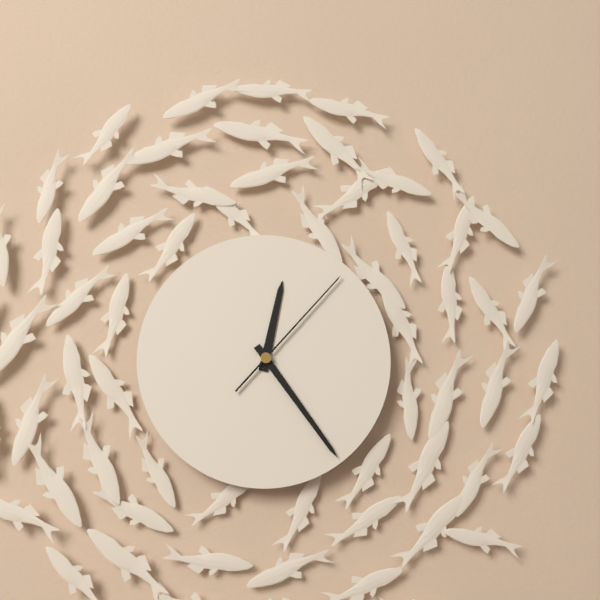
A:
12,24,07
